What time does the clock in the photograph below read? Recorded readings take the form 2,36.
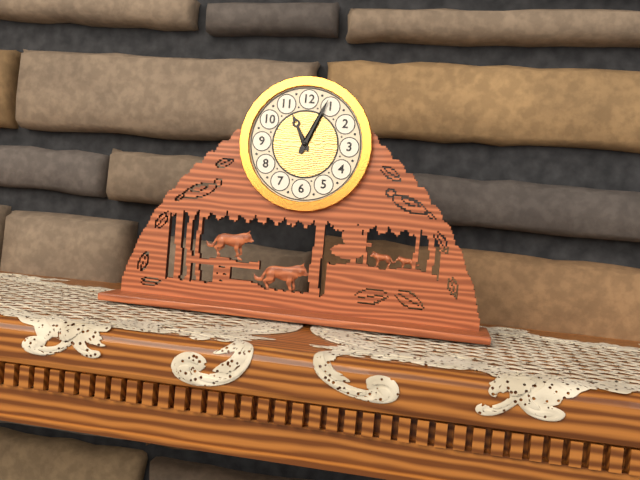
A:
11,04
